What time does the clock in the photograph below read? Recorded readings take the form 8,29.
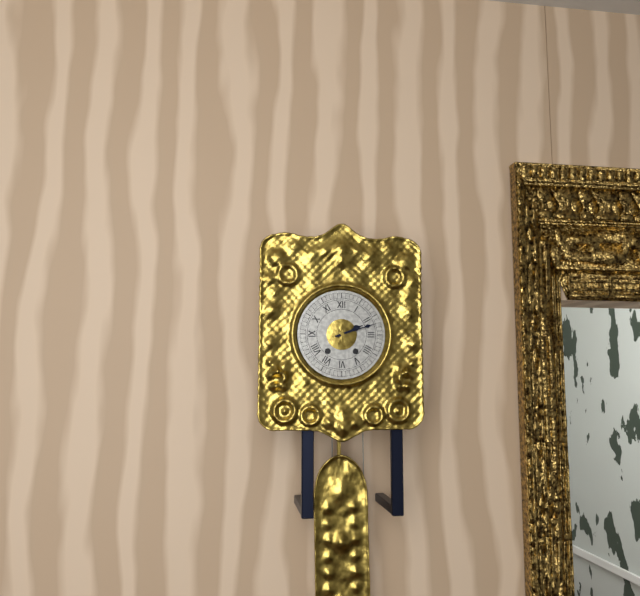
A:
2,12
